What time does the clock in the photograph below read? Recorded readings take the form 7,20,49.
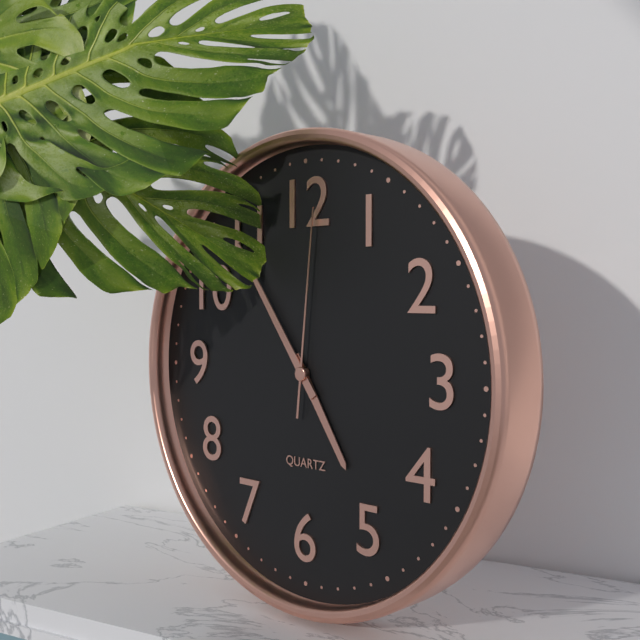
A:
4,54,01
